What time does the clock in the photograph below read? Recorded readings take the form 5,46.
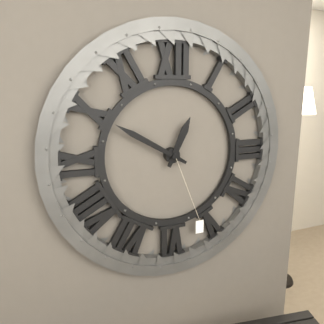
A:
12,50
